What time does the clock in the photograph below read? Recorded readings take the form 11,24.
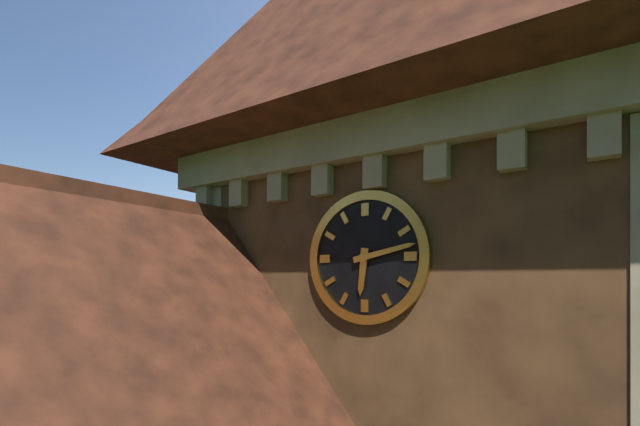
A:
6,13
